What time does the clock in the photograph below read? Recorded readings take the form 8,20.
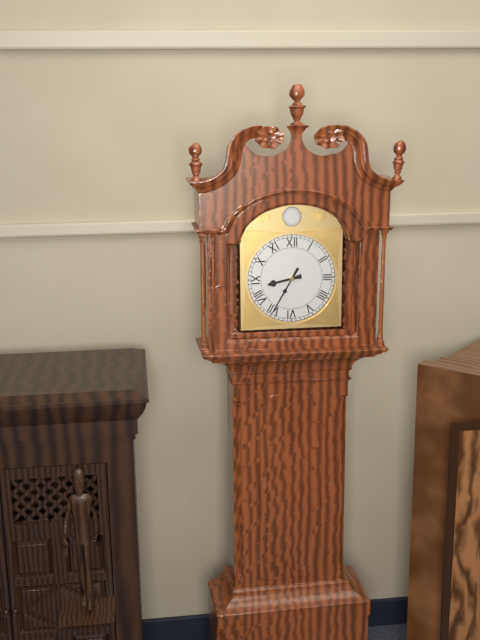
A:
8,35
